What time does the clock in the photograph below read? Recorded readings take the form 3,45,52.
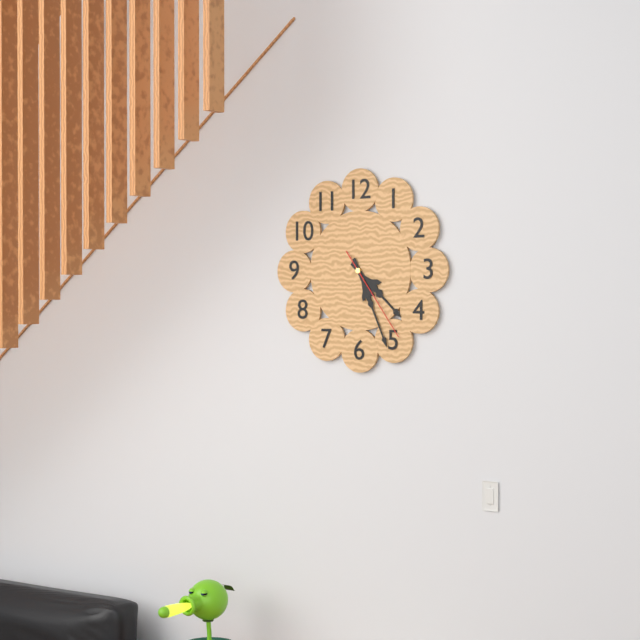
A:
4,26,24
